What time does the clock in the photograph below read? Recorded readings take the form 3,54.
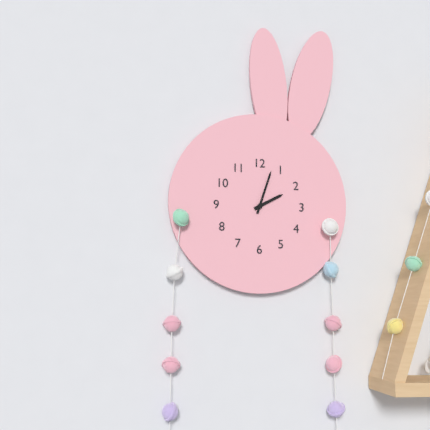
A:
2,03
